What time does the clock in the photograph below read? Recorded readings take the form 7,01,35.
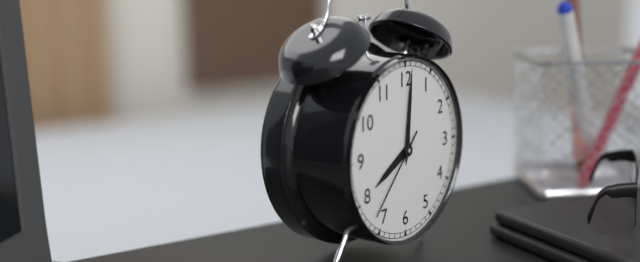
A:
8,01,37
